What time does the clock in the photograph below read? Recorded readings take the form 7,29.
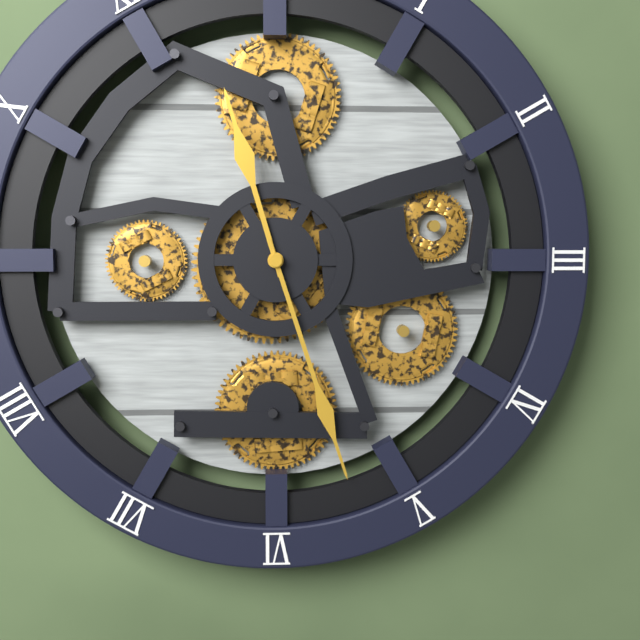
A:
11,27
